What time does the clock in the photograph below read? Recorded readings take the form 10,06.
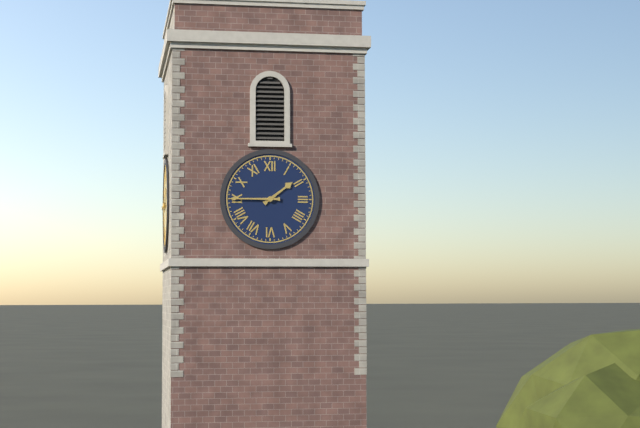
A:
1,45
